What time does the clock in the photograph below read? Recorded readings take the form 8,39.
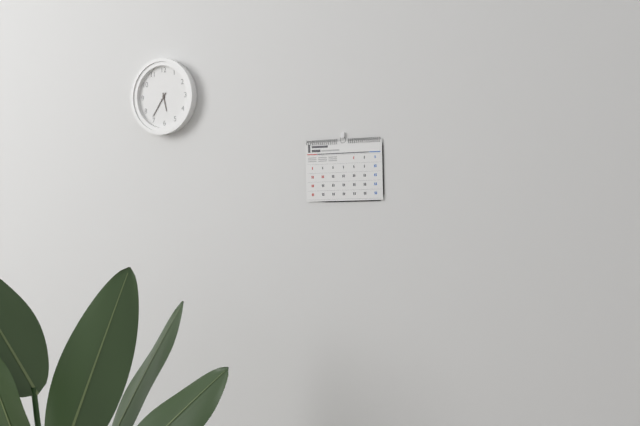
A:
5,36
